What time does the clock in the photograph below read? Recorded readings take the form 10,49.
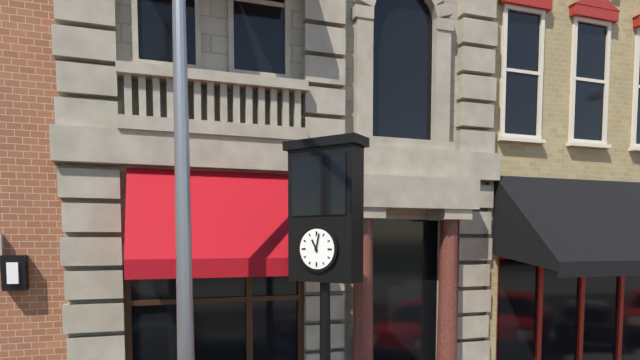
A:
11,02
